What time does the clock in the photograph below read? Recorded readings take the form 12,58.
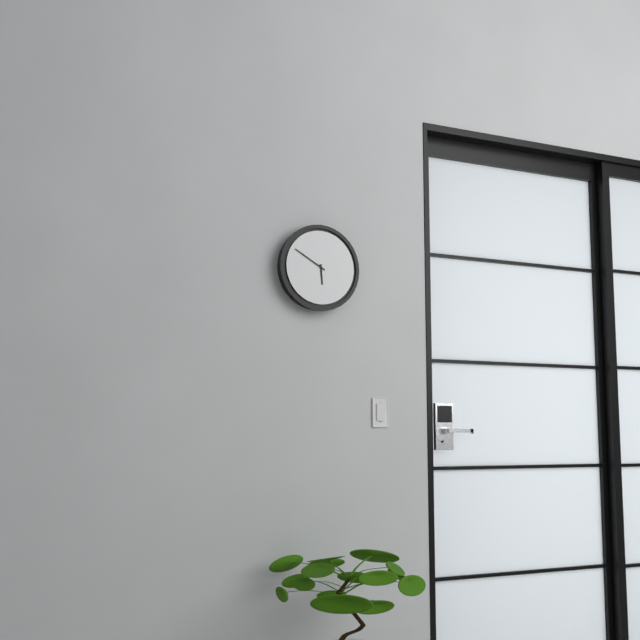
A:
5,50
